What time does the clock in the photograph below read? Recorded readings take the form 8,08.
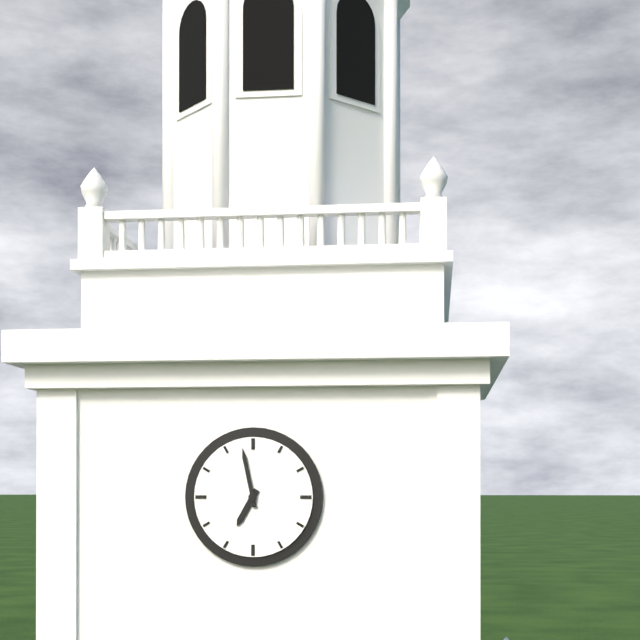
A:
6,58
